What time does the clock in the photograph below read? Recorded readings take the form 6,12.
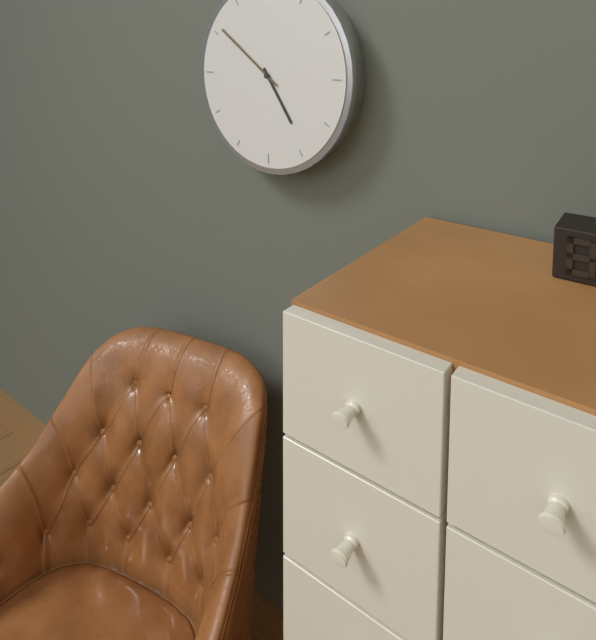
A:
4,51
